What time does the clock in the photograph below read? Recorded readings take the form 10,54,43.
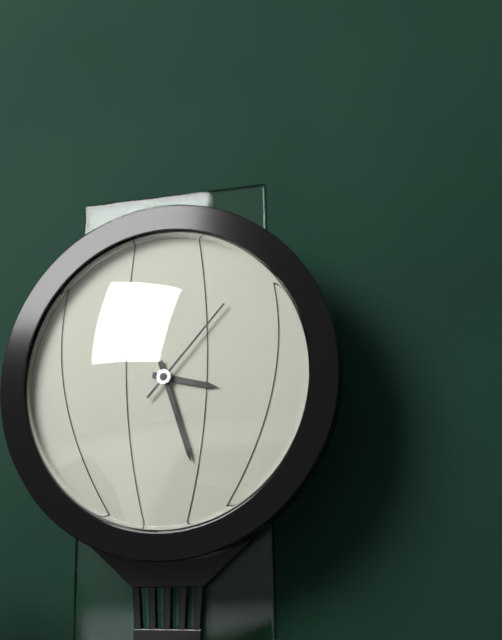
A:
3,27,07
